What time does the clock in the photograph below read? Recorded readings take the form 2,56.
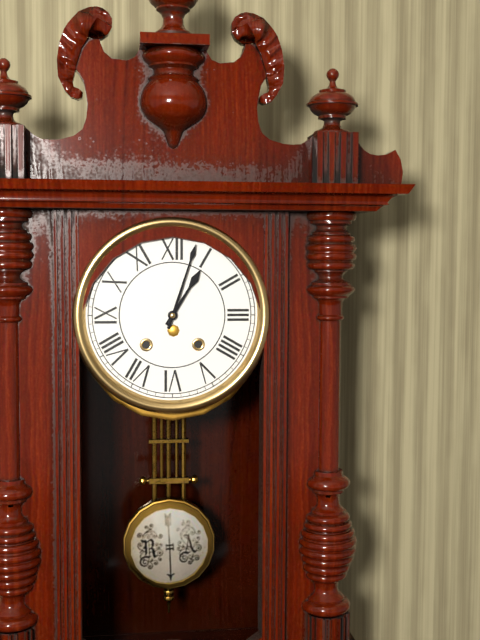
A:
1,03
